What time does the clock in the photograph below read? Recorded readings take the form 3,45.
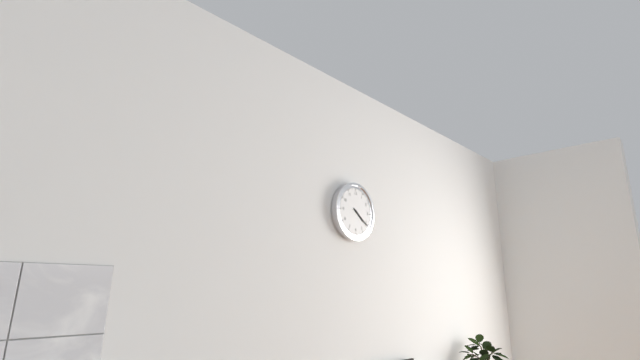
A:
4,21
